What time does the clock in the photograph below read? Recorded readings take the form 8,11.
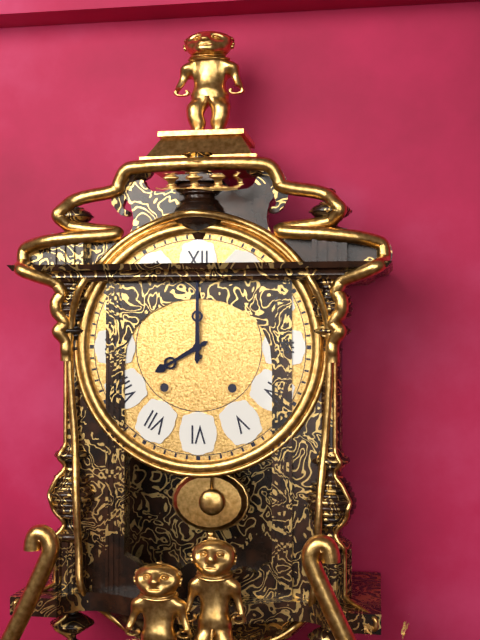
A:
8,00
